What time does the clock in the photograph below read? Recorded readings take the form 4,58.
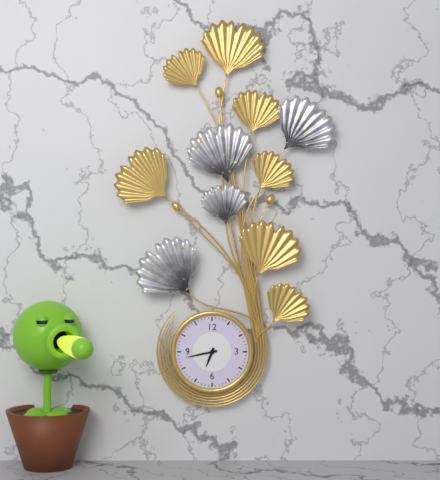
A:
6,43
